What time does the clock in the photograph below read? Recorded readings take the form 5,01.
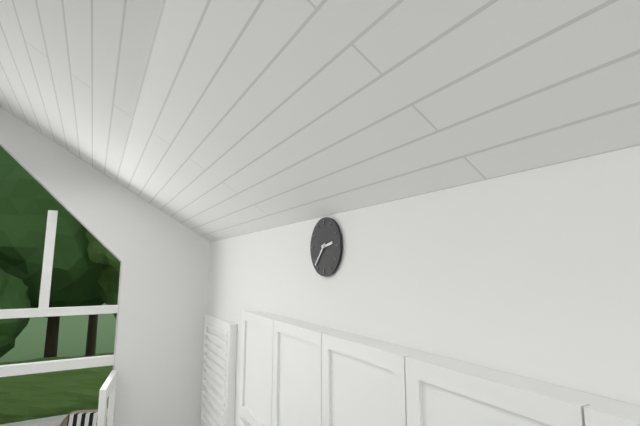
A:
2,37
